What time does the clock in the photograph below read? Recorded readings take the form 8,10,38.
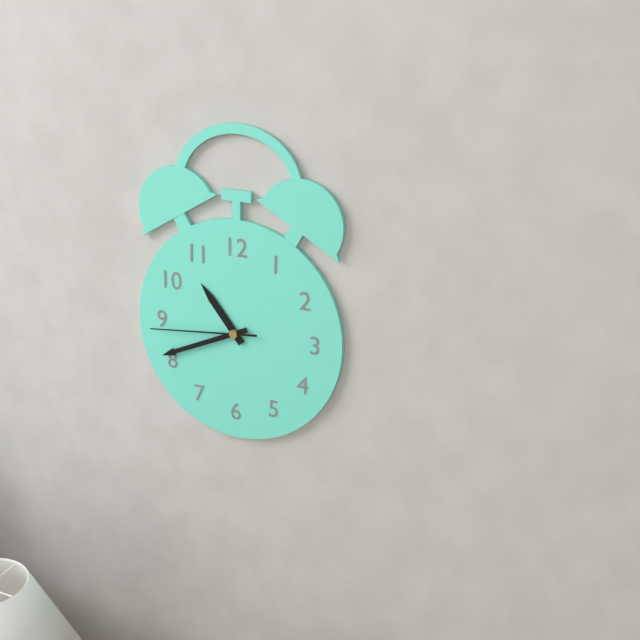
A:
10,41,44
